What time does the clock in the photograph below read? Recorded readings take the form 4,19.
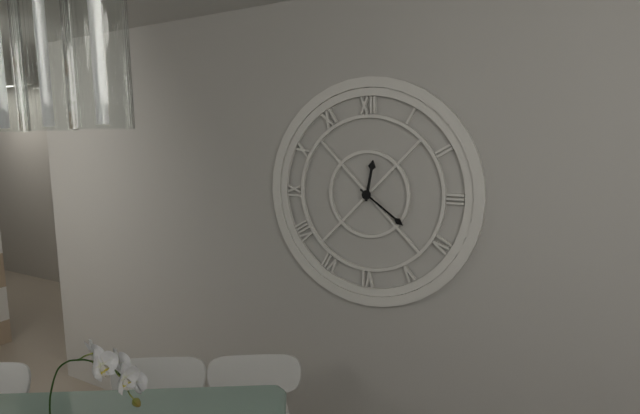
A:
12,21
